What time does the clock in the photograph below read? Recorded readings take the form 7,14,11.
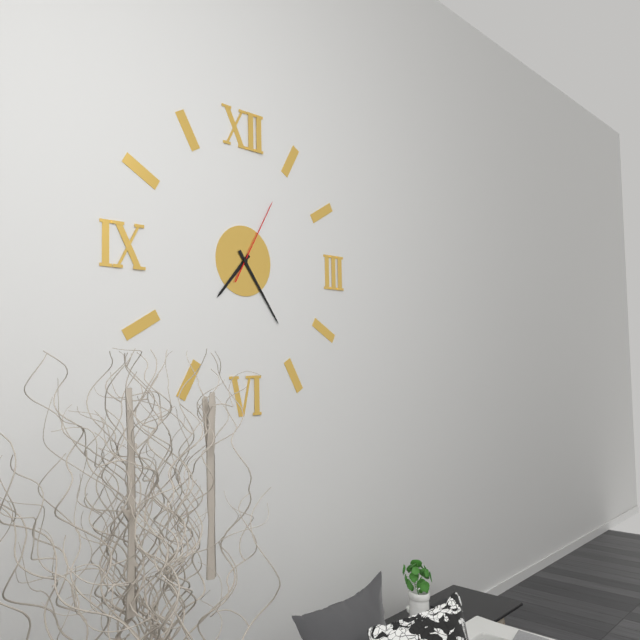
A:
7,24,05
